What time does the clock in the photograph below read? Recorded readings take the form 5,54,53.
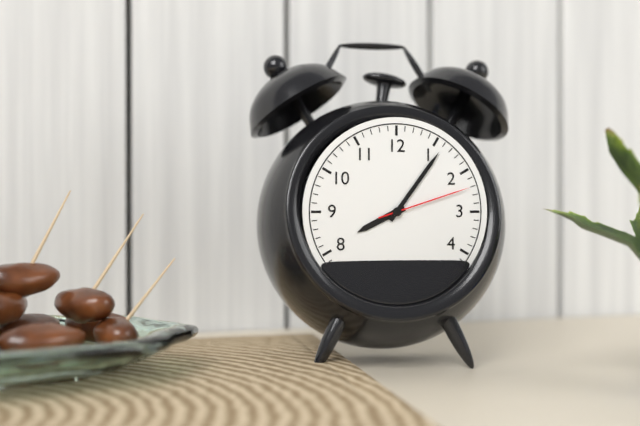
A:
8,06,12
